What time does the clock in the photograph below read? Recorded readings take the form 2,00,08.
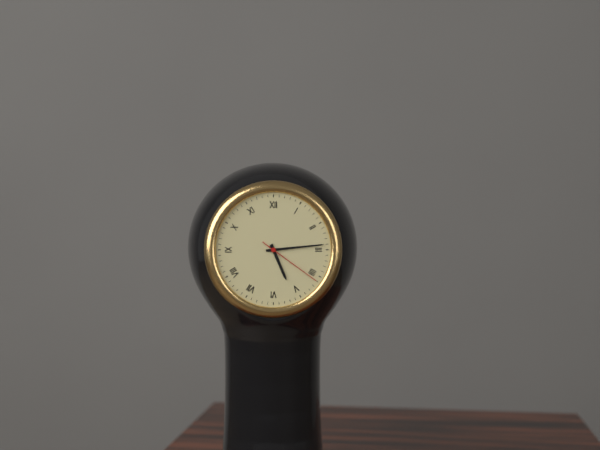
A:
5,14,21
